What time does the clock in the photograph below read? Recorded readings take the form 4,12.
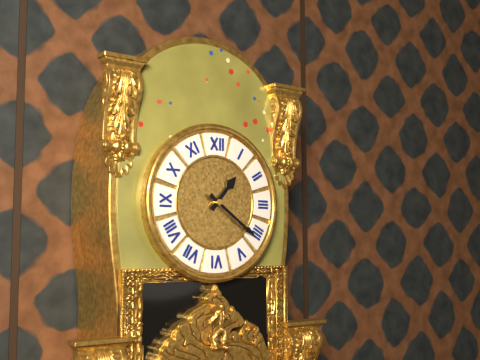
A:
1,21
